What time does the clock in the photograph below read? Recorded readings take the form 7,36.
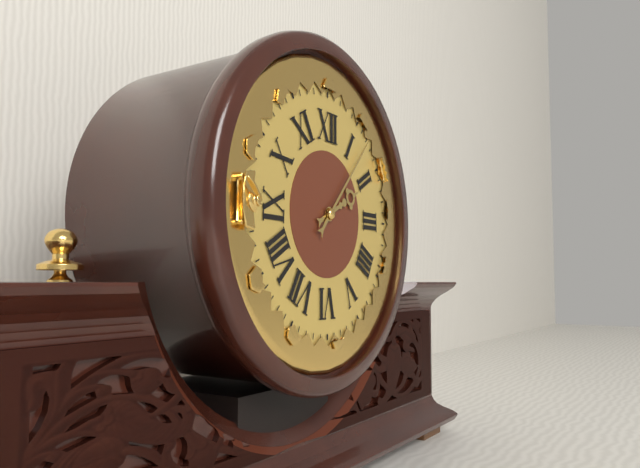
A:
2,07
